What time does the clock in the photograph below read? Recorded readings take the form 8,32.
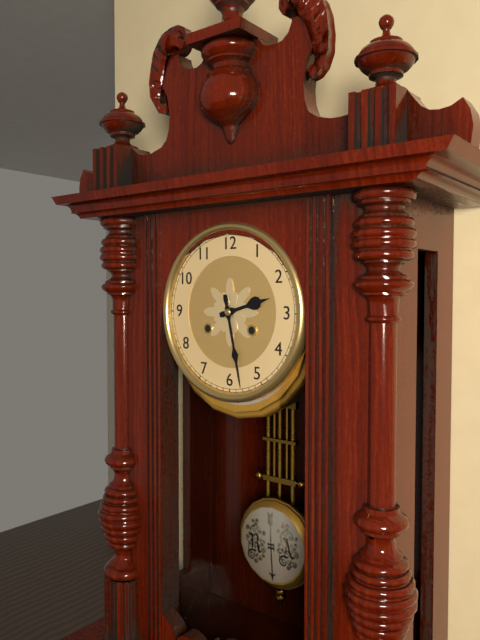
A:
2,28
